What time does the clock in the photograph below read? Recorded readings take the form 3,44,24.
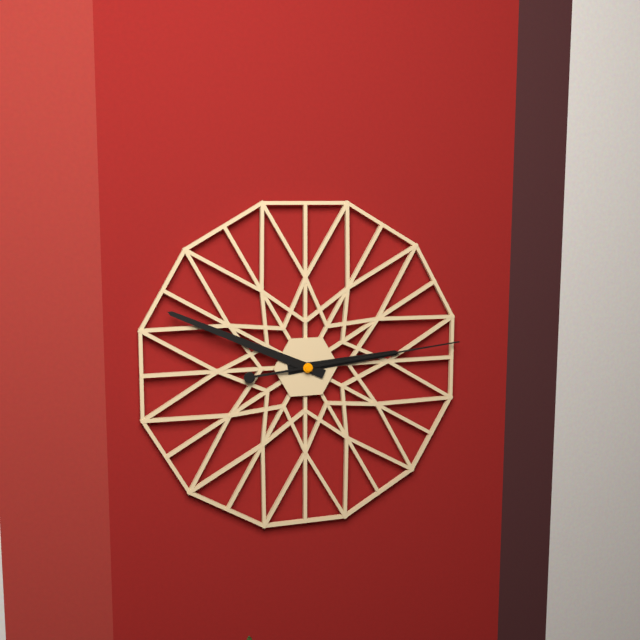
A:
2,49,14
